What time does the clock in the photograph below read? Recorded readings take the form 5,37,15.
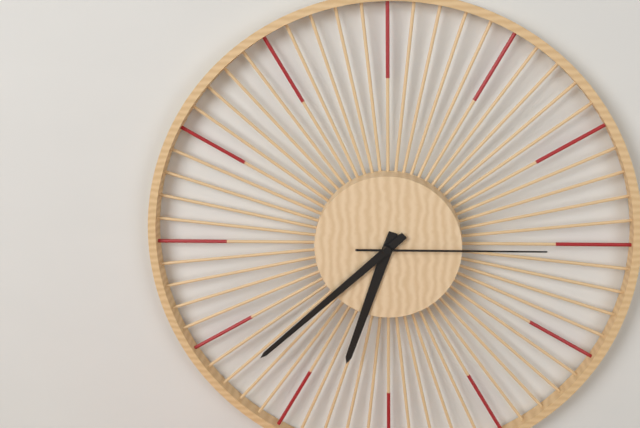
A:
6,38,15
